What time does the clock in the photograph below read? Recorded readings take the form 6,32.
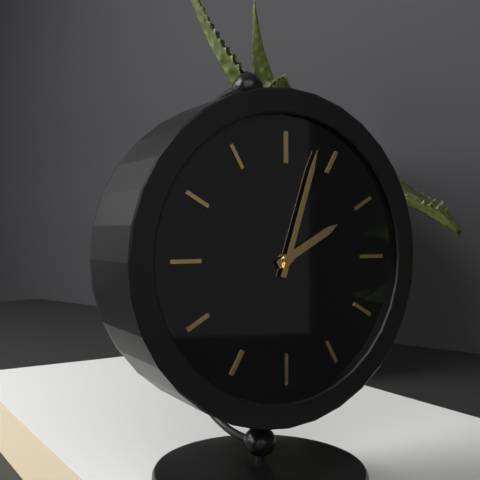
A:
2,03
